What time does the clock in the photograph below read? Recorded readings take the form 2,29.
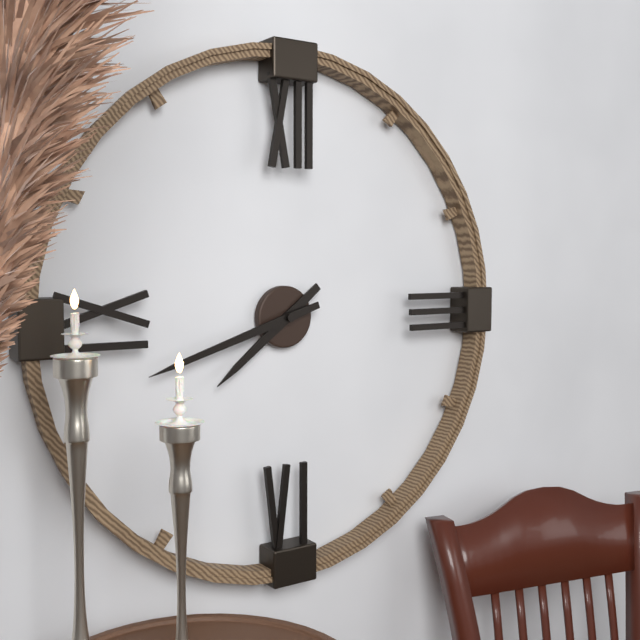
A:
7,42
